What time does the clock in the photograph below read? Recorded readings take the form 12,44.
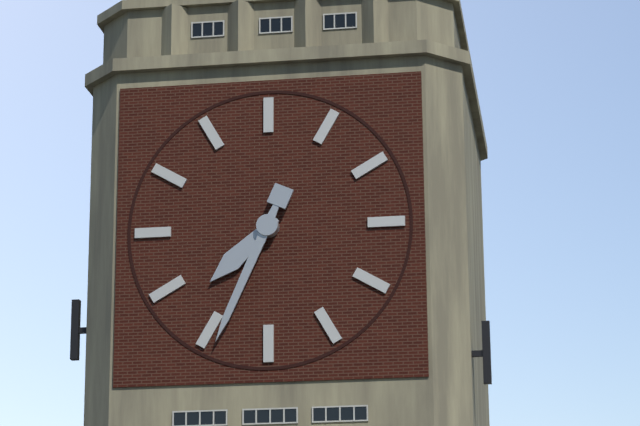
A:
7,34
